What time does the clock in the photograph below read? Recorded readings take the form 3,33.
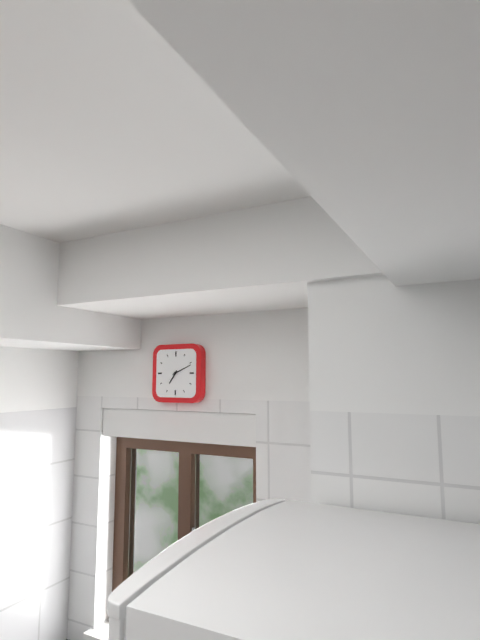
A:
7,11
